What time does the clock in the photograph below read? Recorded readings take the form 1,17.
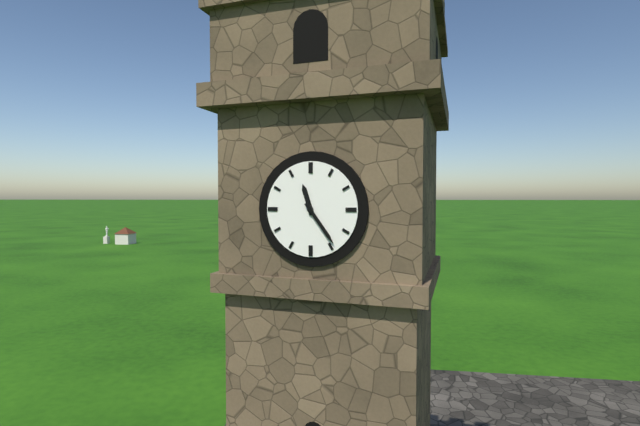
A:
11,24
